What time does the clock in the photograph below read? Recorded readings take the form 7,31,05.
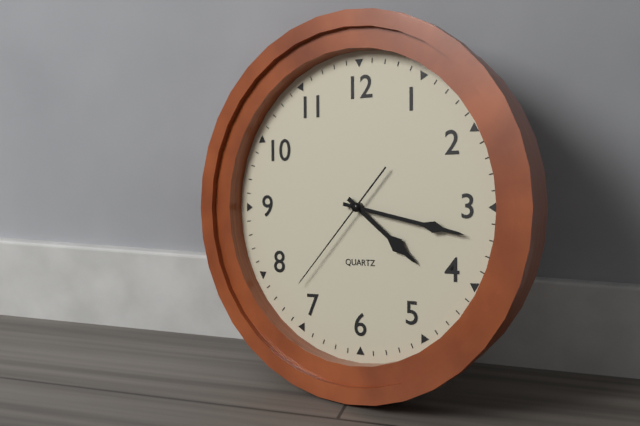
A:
4,17,37
